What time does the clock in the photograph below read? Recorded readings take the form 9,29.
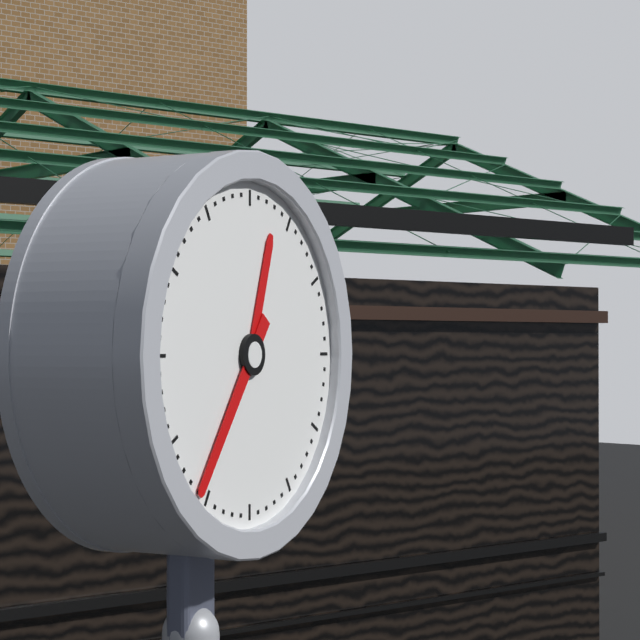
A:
12,36
